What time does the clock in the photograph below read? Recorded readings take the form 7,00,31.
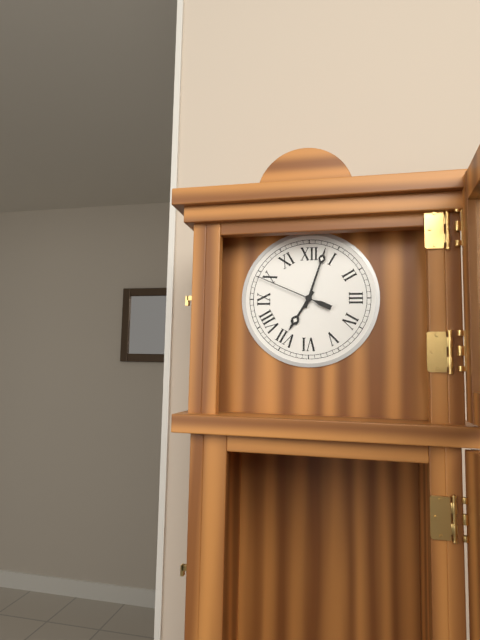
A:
7,03,49
